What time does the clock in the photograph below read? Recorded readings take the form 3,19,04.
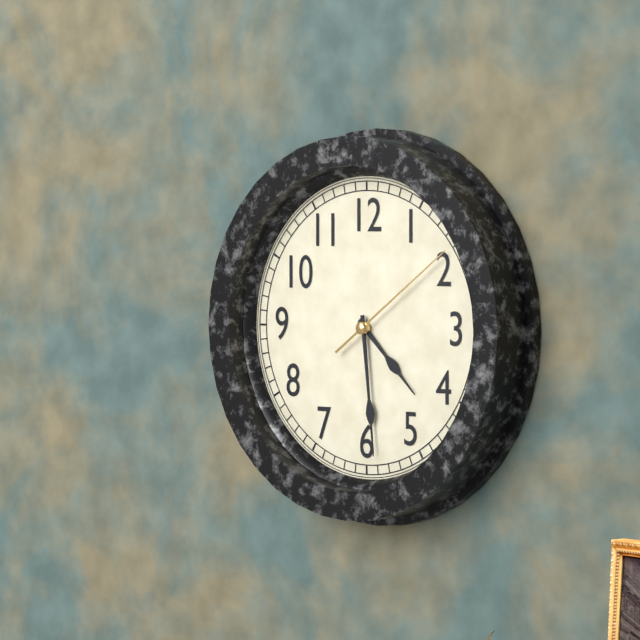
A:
4,29,09
